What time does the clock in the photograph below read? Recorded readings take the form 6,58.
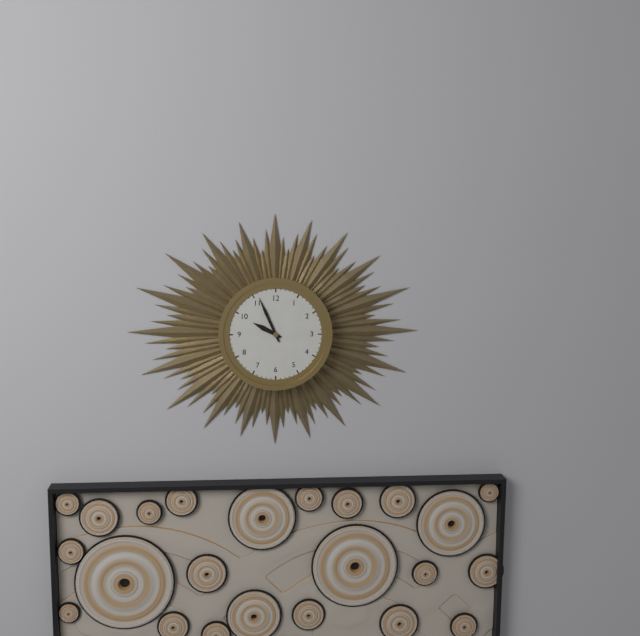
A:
9,56
